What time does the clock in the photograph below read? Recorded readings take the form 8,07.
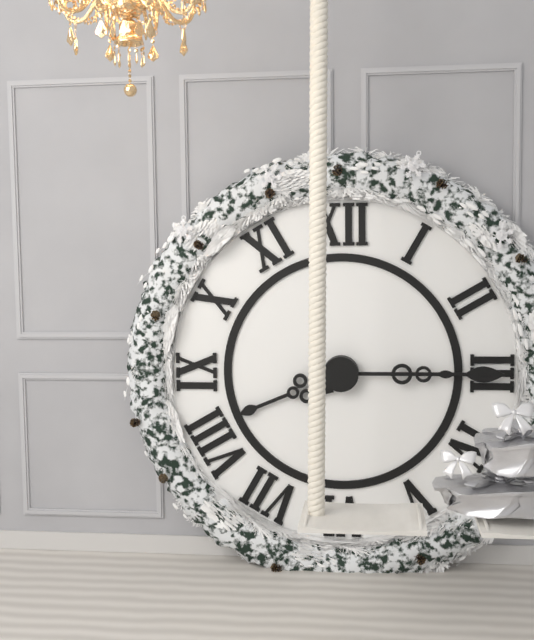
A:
8,15
